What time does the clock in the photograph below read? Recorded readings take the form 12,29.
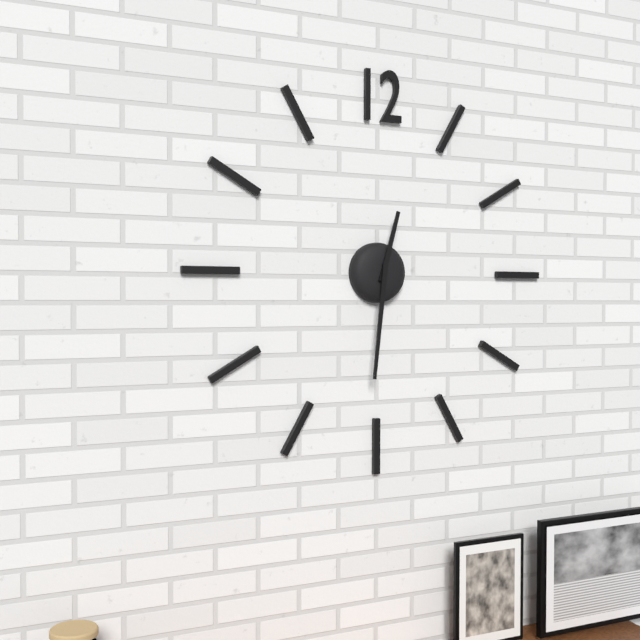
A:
12,31
